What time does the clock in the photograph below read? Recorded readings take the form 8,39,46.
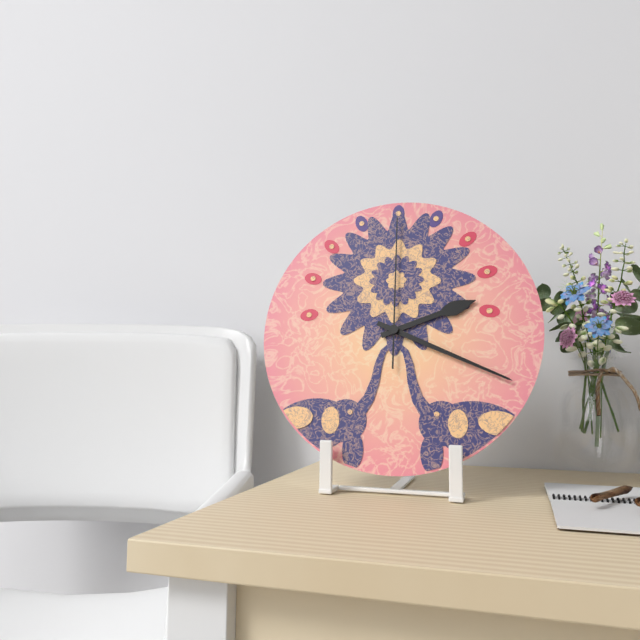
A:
2,19,00
